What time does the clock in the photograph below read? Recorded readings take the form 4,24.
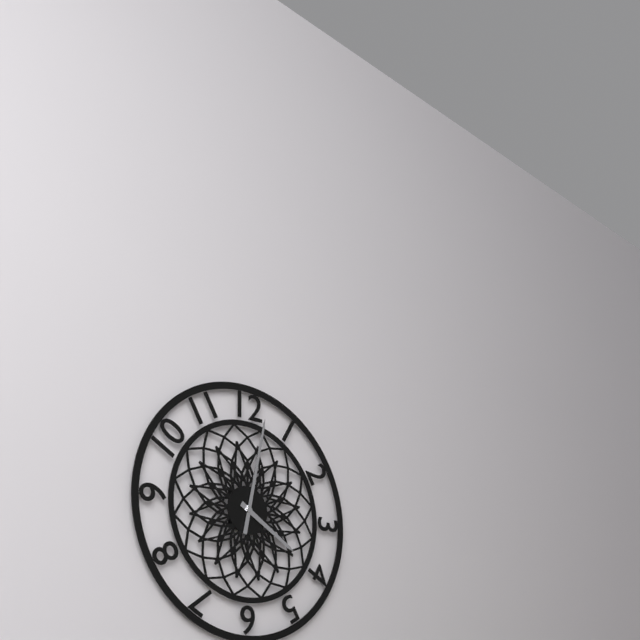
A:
4,02
